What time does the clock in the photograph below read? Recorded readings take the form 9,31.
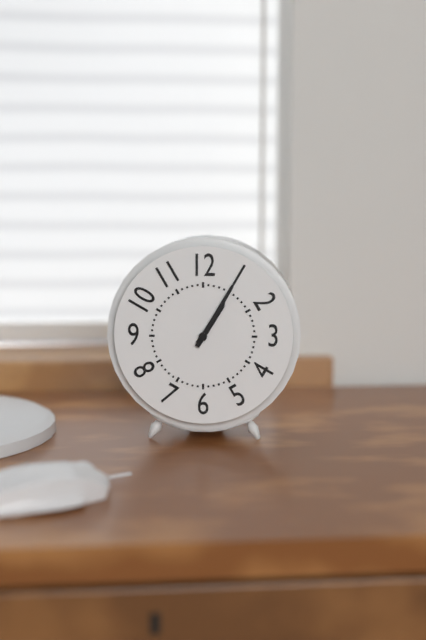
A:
1,05
